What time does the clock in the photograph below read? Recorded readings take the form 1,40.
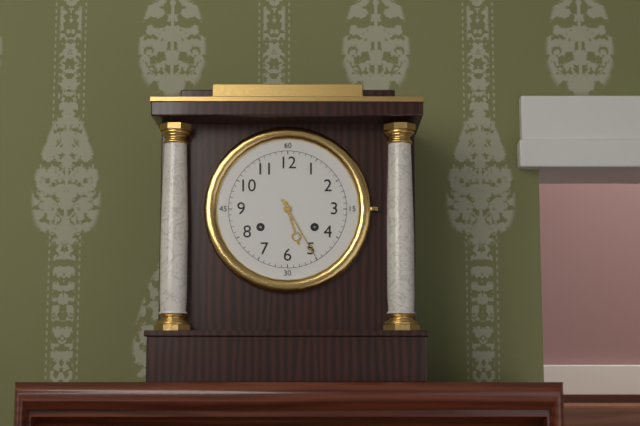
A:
5,25
